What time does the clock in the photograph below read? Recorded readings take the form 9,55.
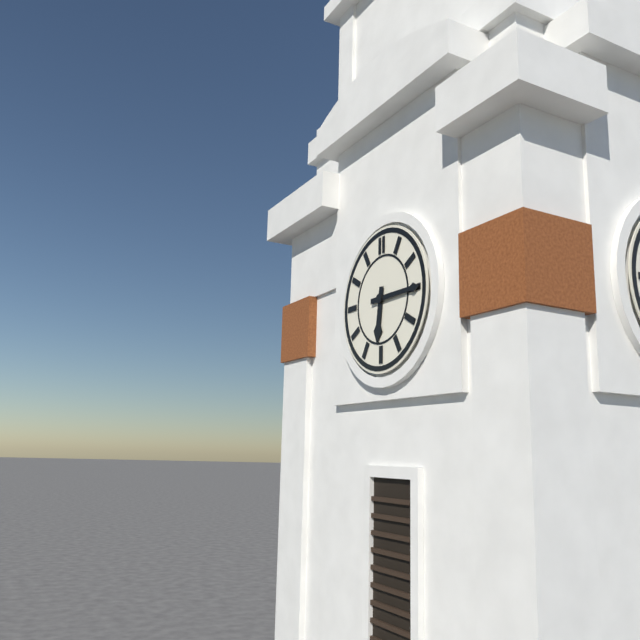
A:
6,15
